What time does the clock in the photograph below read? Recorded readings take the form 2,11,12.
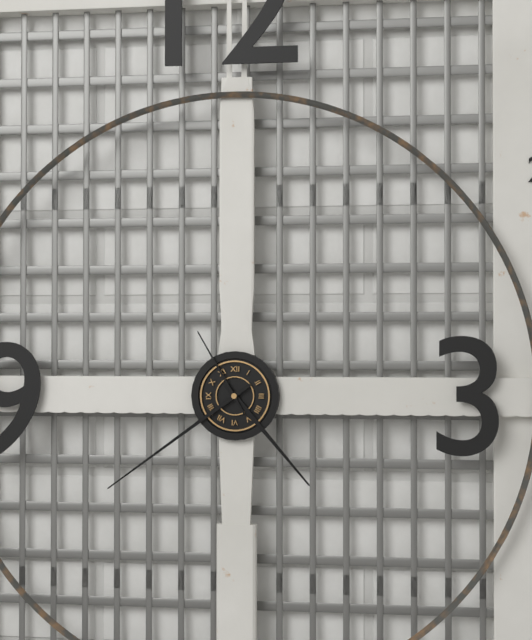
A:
4,39,55
